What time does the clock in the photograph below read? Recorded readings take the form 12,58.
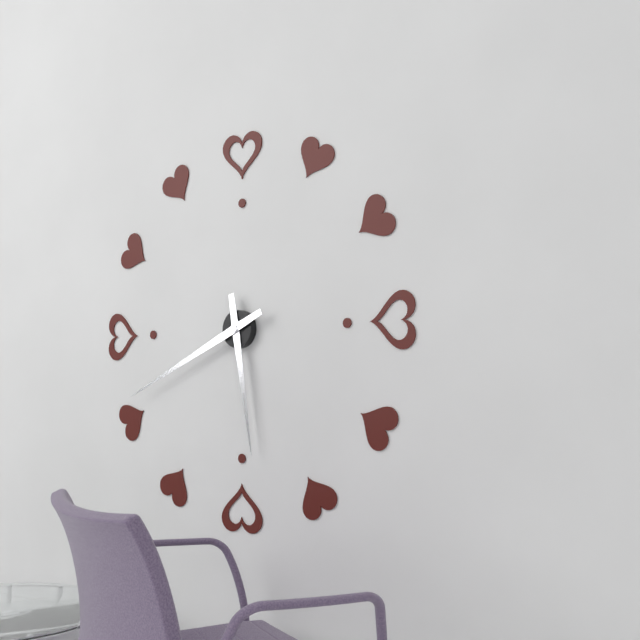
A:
5,41
